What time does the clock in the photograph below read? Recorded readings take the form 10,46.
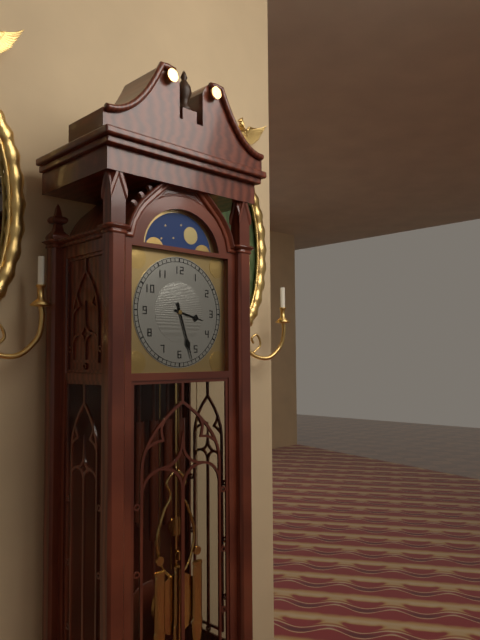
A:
3,27
